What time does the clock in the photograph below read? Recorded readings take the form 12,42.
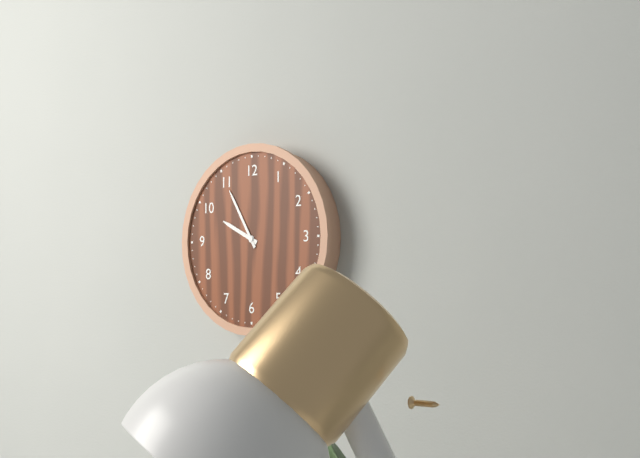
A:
9,55
